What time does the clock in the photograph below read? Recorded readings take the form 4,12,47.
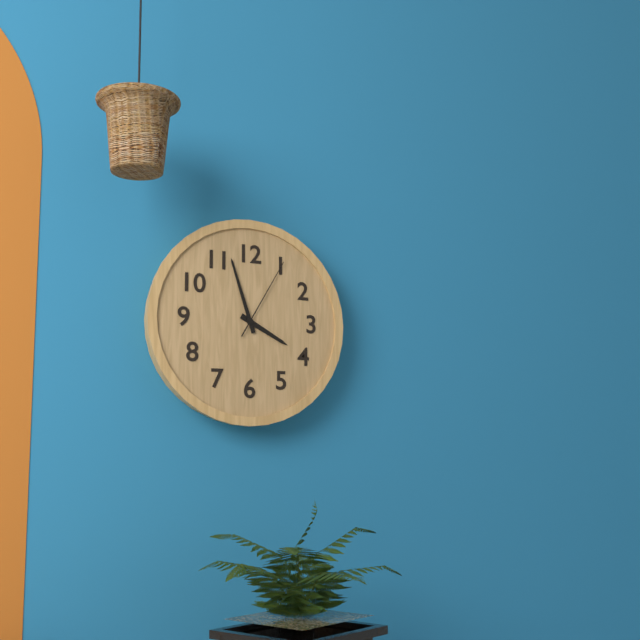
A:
3,57,05
